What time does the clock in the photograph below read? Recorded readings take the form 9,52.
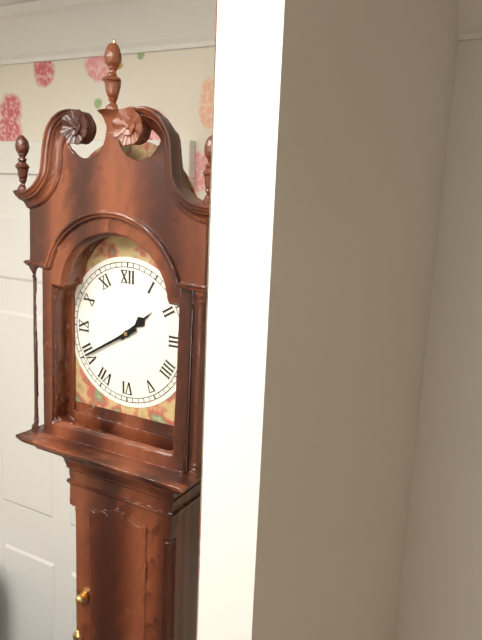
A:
1,40
